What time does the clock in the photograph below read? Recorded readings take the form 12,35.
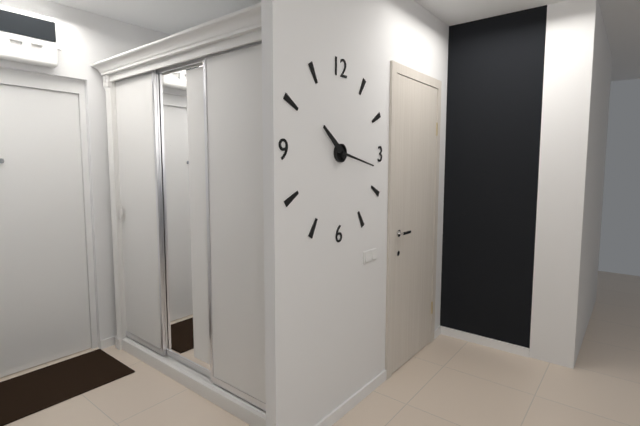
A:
10,17
